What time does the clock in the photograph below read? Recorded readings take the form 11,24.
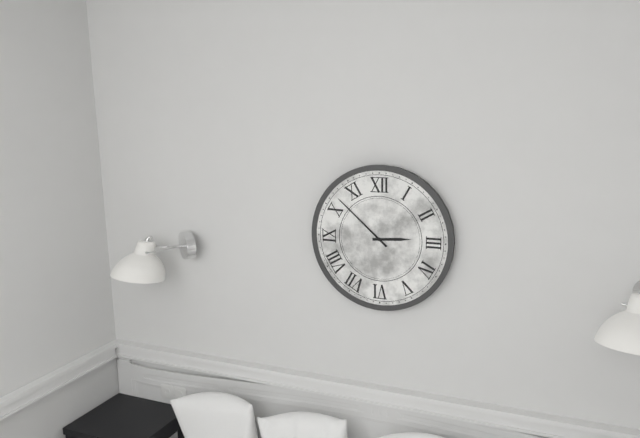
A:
2,52
